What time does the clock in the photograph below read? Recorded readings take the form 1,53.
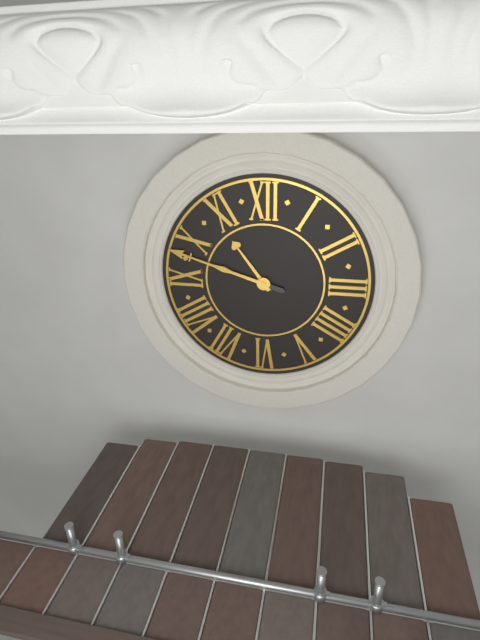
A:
10,48
